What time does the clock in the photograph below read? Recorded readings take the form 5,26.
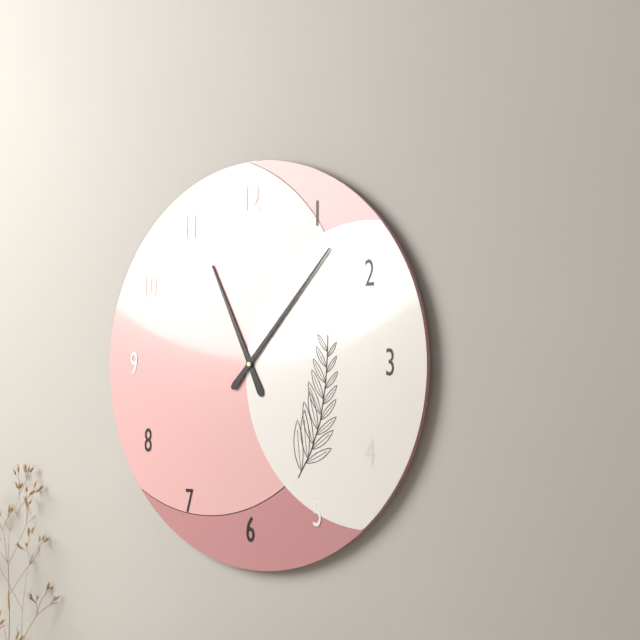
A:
11,07
